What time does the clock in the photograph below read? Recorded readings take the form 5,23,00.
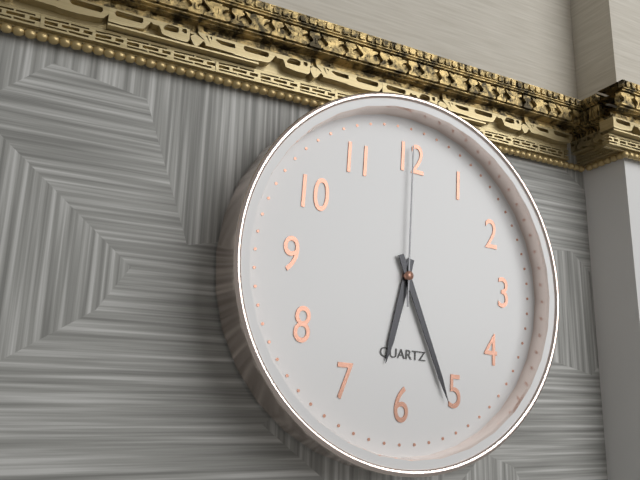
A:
6,26,00
